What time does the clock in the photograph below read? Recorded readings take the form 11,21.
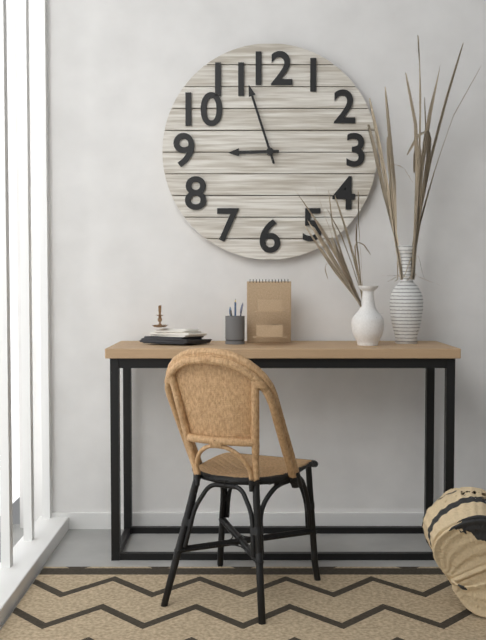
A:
8,57
